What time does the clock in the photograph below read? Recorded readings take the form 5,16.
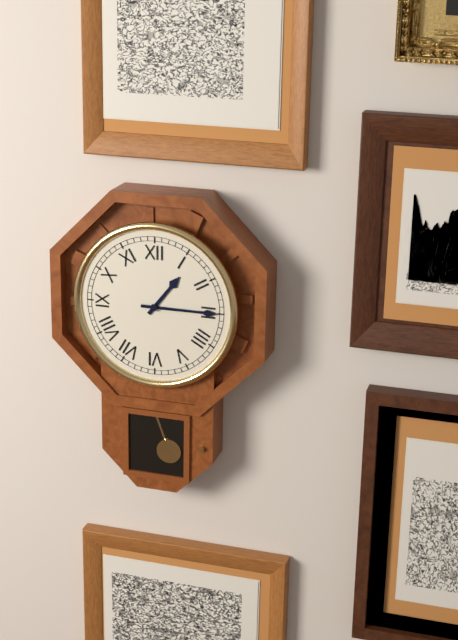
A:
1,15
